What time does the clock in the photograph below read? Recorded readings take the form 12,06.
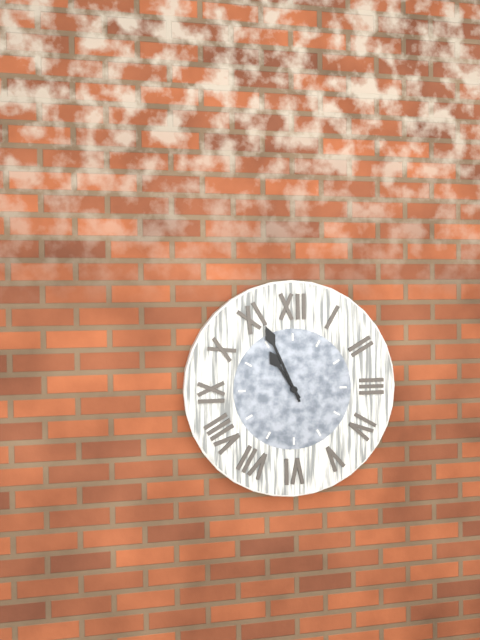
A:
10,56
